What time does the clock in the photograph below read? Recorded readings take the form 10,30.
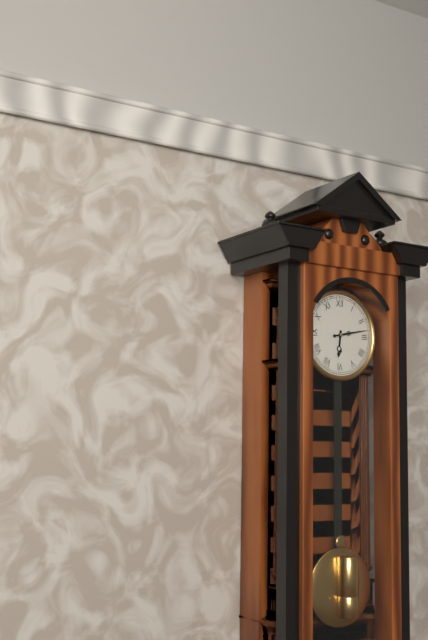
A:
6,13
